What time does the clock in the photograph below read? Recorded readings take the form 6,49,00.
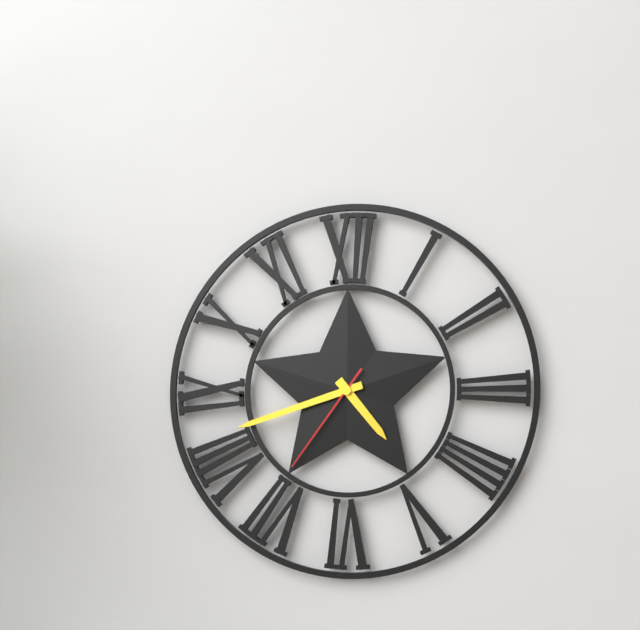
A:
4,42,36
